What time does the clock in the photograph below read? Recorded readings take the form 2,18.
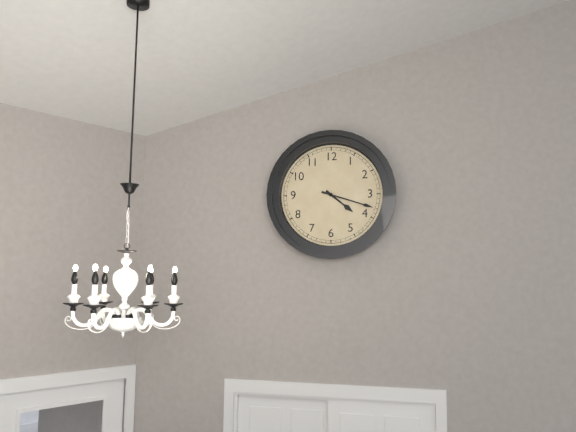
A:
4,18
